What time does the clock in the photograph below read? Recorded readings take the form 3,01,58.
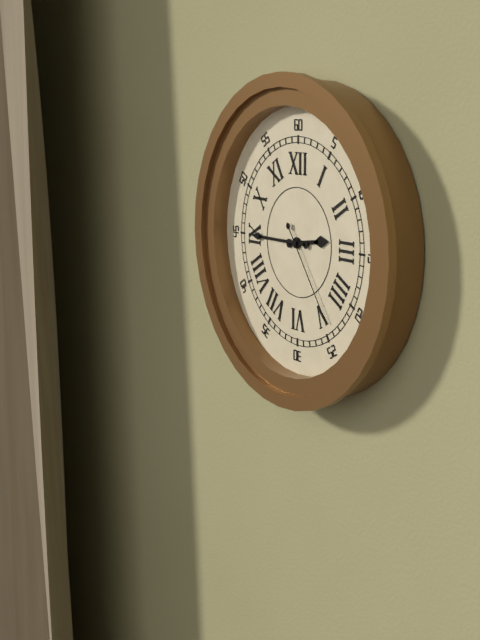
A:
2,45,24
